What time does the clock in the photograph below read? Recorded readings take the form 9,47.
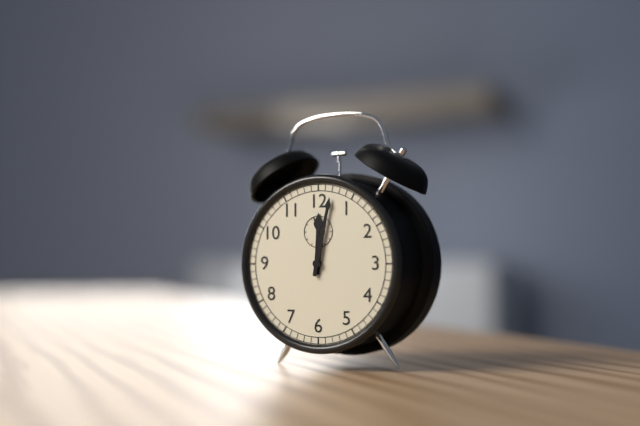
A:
12,02
